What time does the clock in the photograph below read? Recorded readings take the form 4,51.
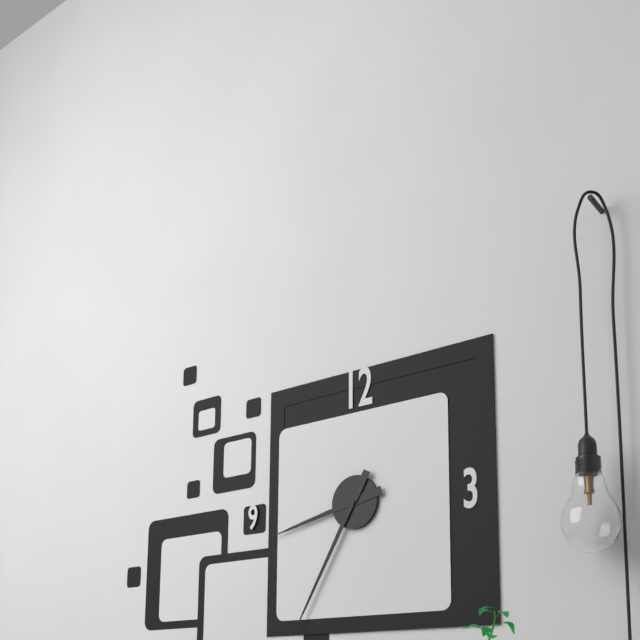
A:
8,35
